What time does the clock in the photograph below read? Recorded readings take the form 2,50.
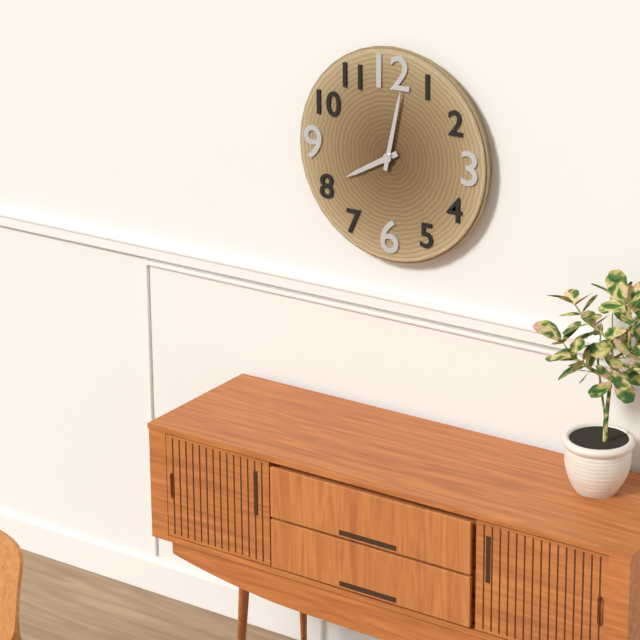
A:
8,02
